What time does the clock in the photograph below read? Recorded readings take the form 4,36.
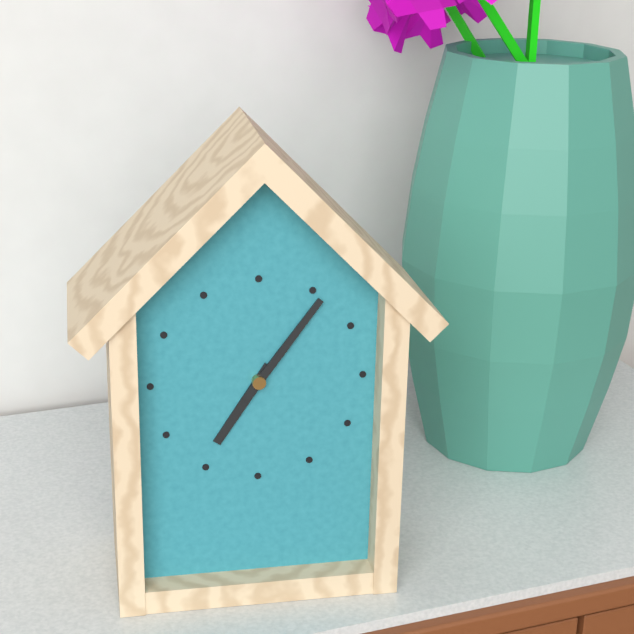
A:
7,06
